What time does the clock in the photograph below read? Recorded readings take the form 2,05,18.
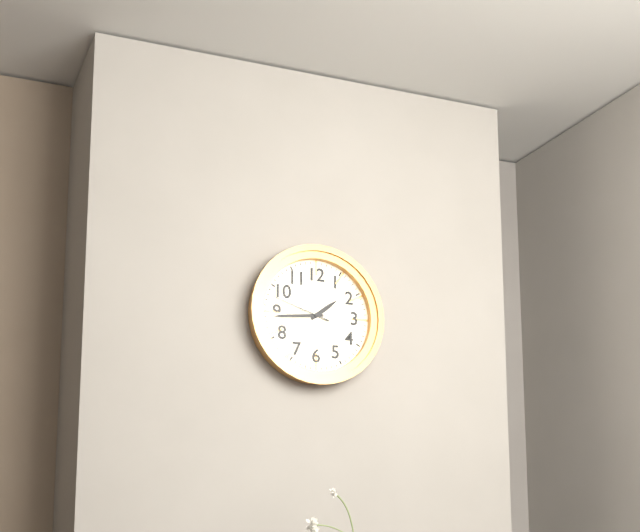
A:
1,44,48
